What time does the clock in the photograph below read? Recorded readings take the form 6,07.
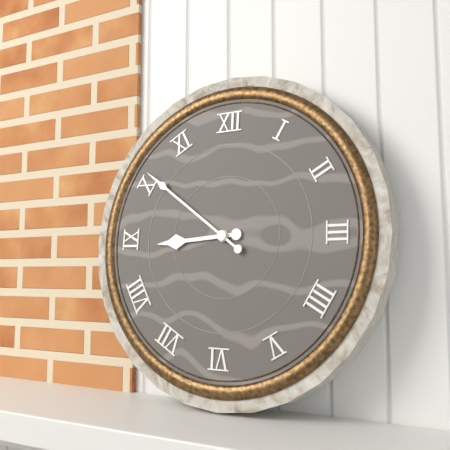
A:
8,51
